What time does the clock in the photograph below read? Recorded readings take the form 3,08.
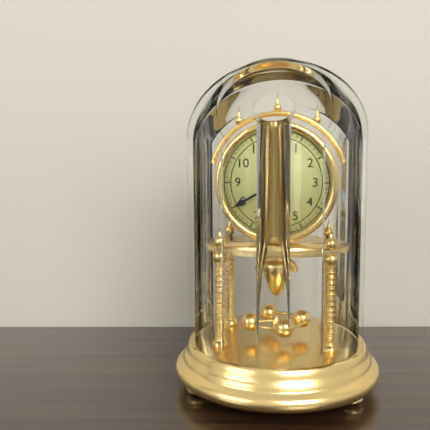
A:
12,40
